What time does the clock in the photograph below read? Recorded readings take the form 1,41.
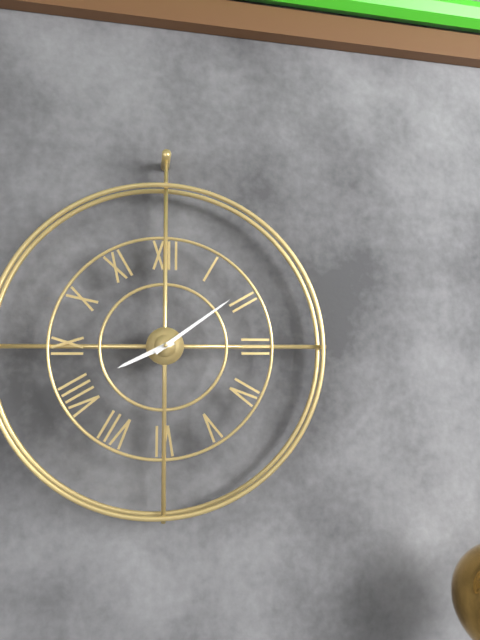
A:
8,09
